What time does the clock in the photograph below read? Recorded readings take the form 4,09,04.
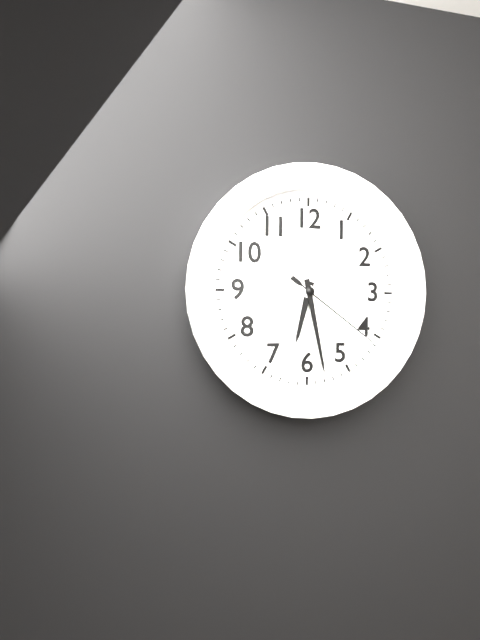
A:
6,28,21
